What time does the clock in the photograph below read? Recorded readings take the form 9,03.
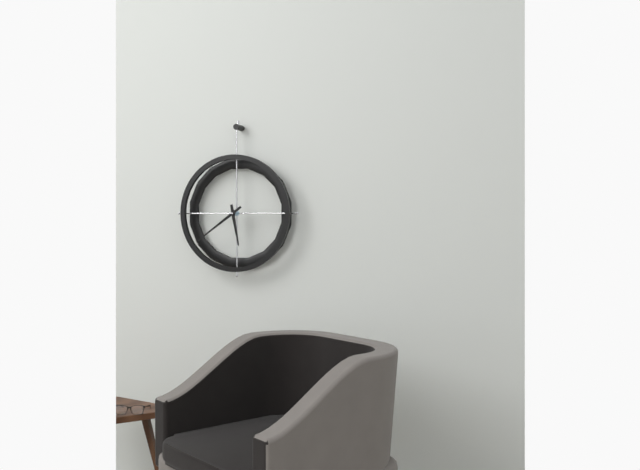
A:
5,39
